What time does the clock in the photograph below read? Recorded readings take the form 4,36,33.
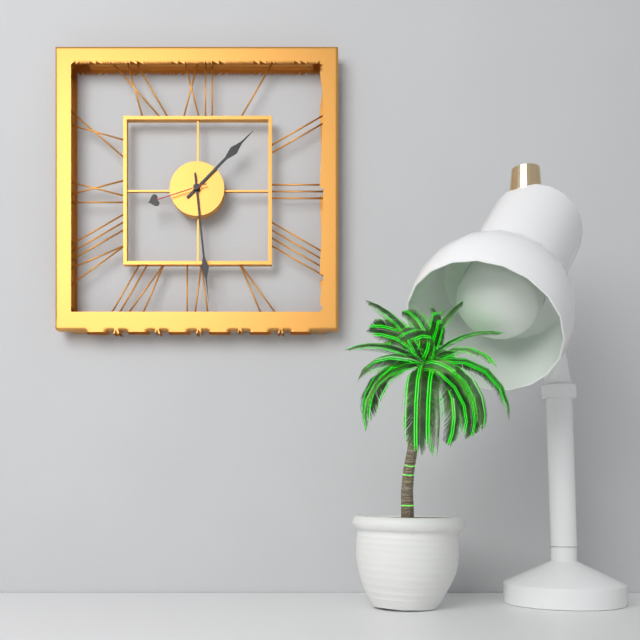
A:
1,29,42
